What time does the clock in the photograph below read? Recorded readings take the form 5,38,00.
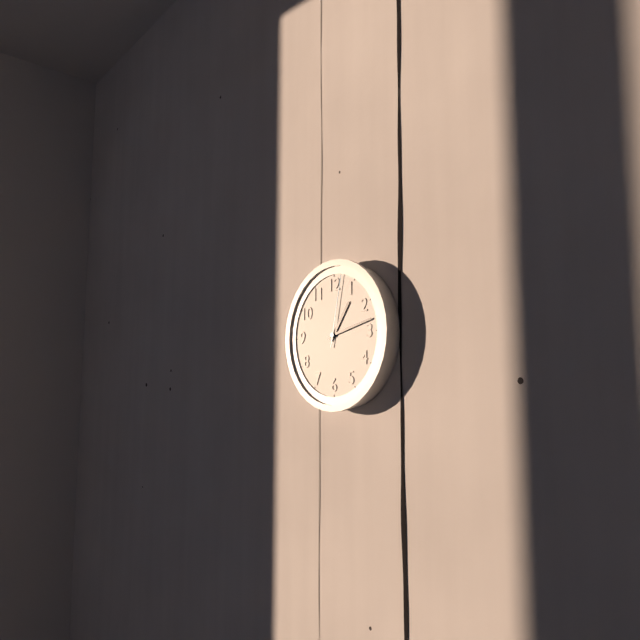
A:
1,13,02
